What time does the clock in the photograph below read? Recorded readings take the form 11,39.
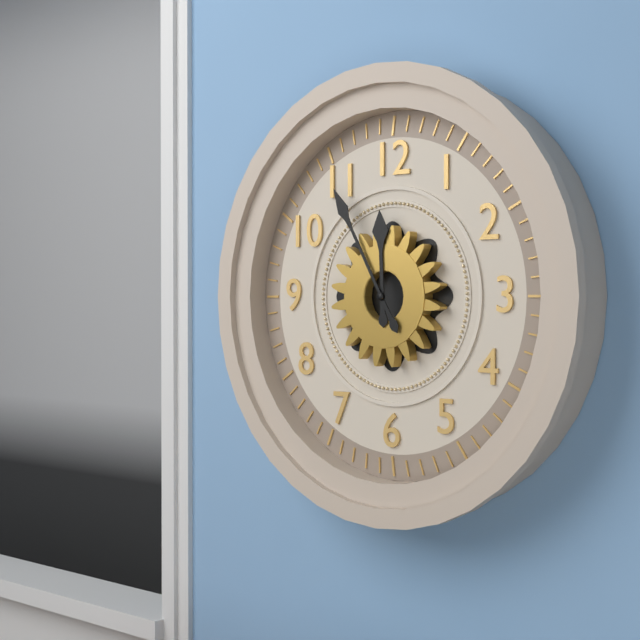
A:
11,55
